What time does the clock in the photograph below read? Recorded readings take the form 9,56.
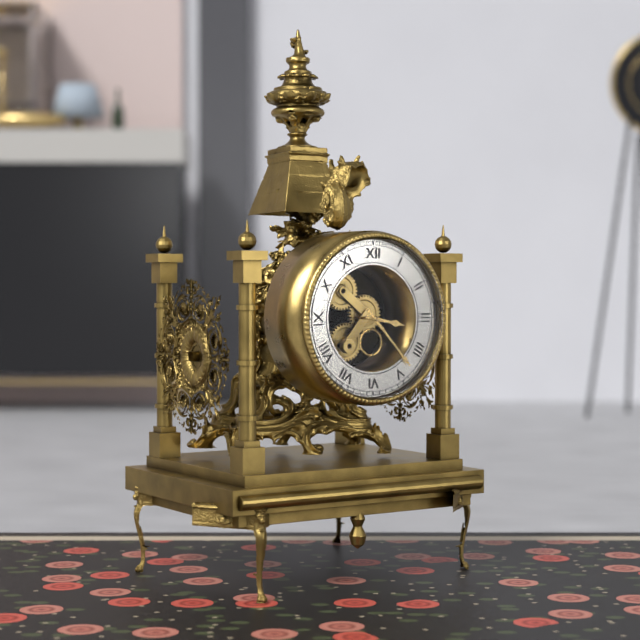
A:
3,23
